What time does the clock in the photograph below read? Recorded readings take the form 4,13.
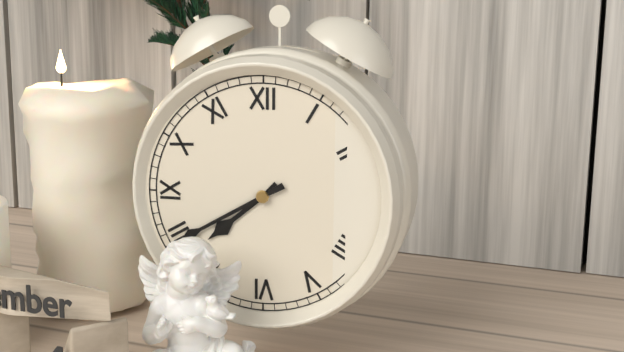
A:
7,40
